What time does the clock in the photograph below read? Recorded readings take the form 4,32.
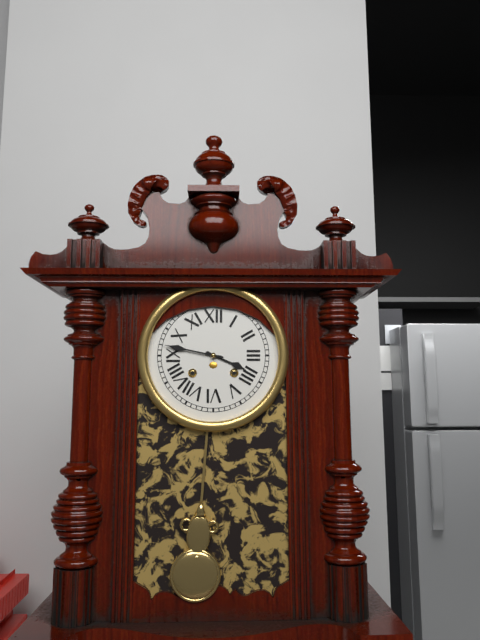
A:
3,47
